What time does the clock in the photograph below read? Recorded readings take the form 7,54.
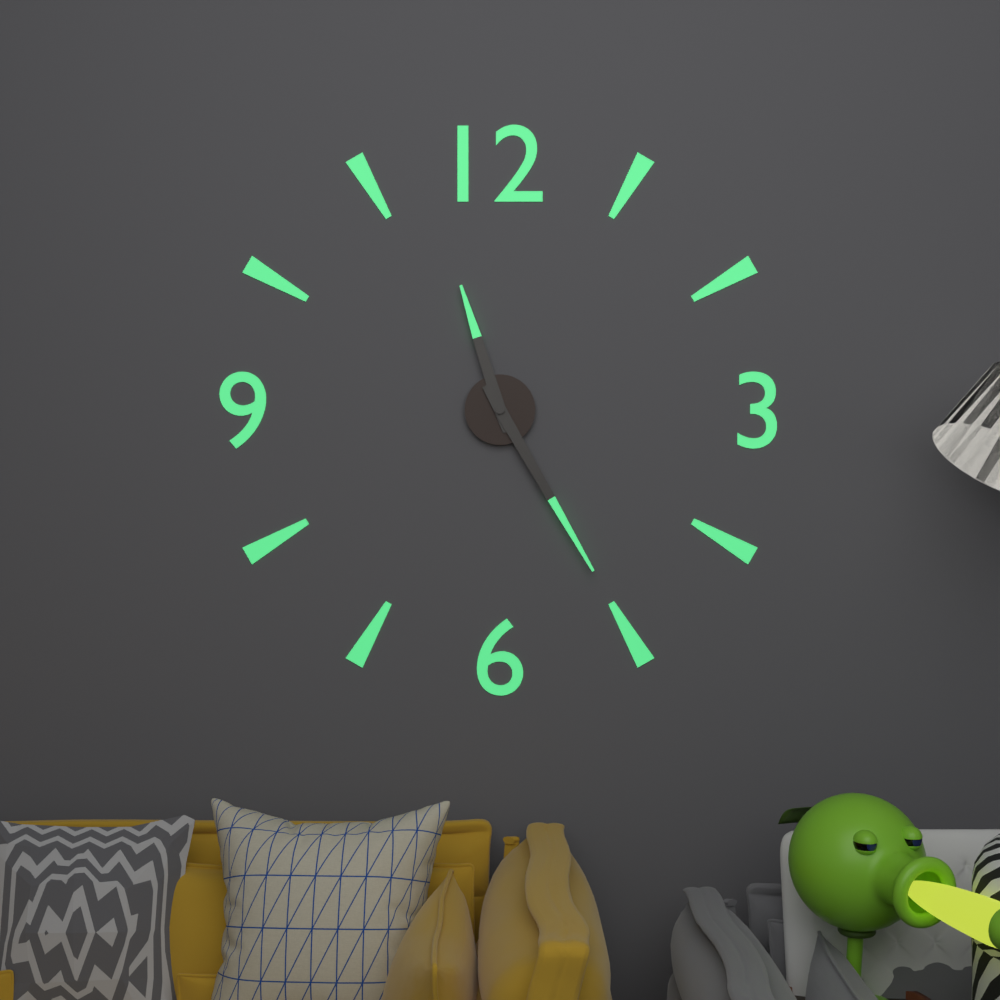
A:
11,25
